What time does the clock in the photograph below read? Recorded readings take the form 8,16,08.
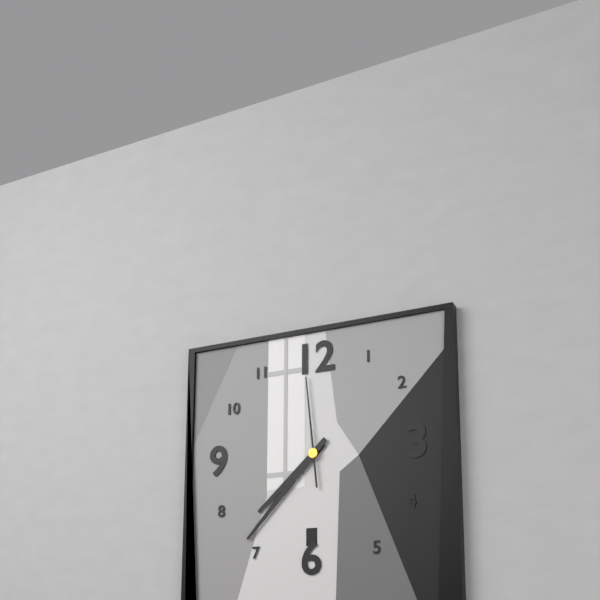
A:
7,37,59
